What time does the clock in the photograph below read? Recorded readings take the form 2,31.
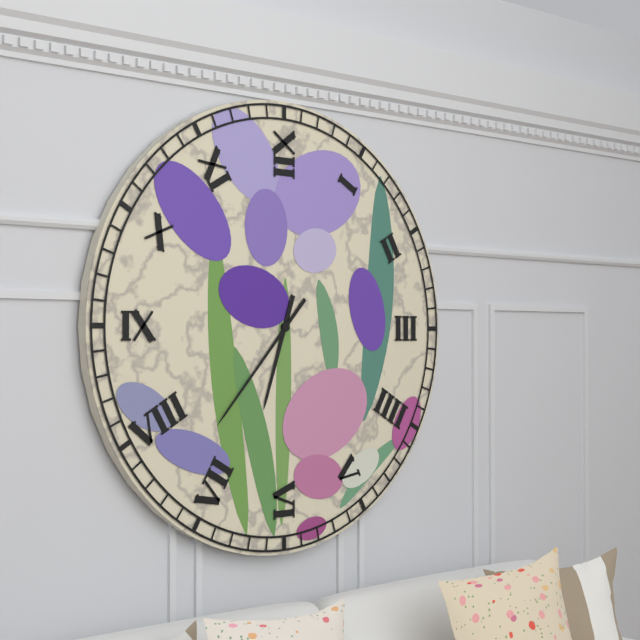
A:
6,37
